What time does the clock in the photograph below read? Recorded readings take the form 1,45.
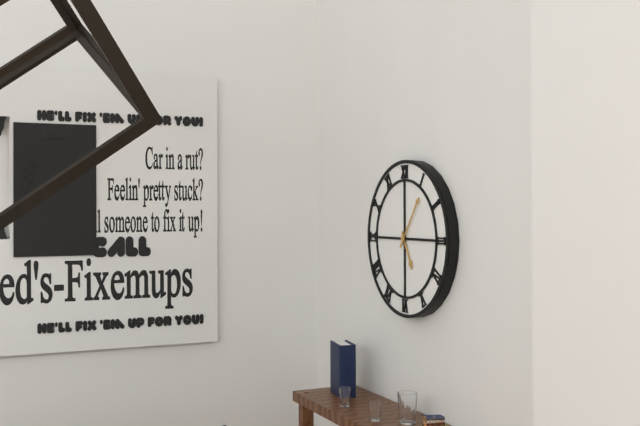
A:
5,06
